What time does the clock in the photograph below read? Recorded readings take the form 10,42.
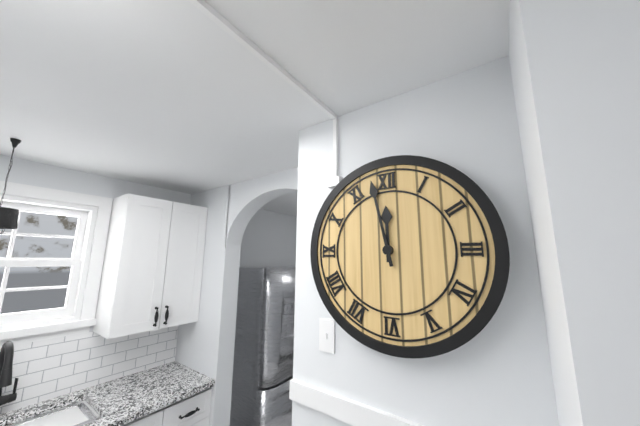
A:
11,58
